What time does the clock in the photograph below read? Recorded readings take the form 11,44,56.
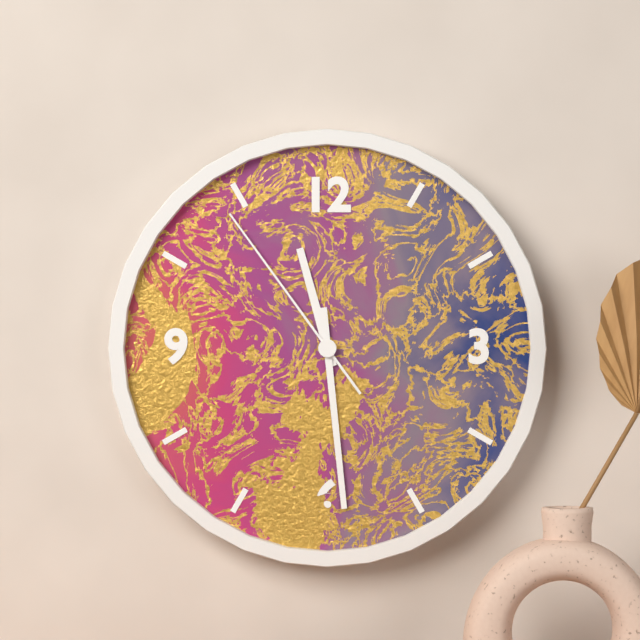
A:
11,29,54
